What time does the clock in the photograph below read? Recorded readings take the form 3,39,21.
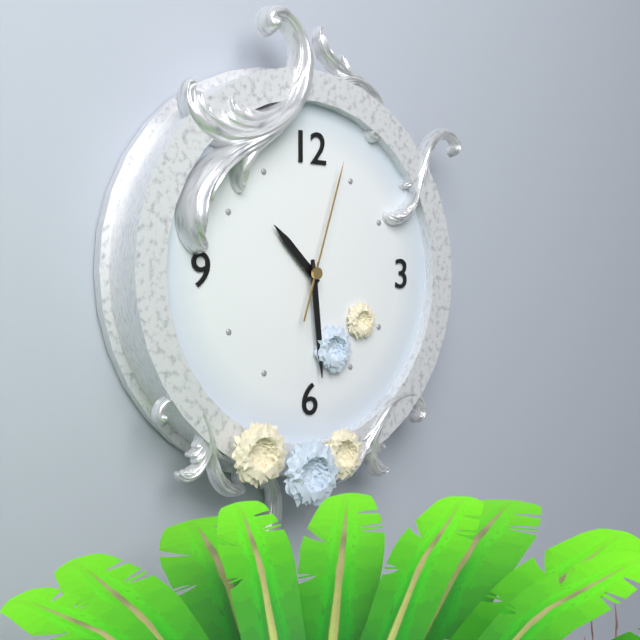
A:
10,29,03
